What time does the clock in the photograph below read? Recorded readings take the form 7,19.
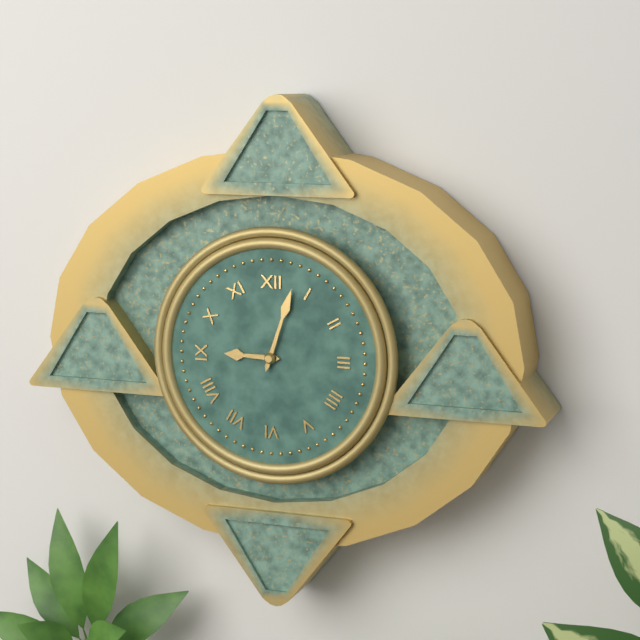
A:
9,03
